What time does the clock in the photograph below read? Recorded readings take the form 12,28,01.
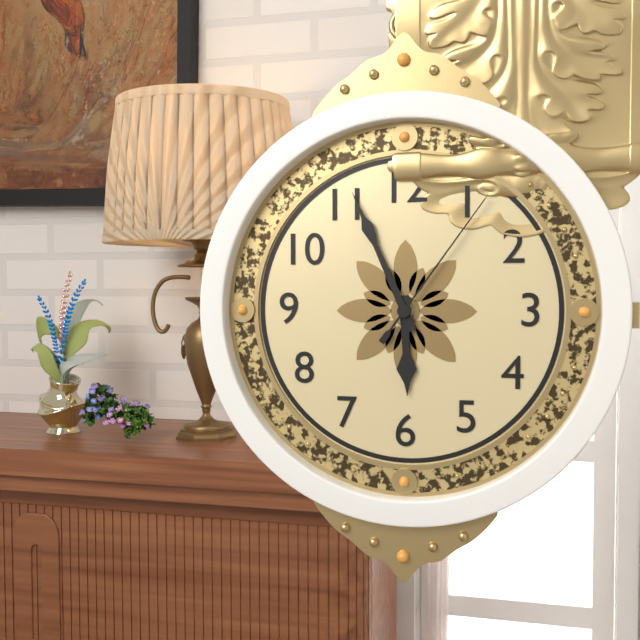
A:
5,56,06
